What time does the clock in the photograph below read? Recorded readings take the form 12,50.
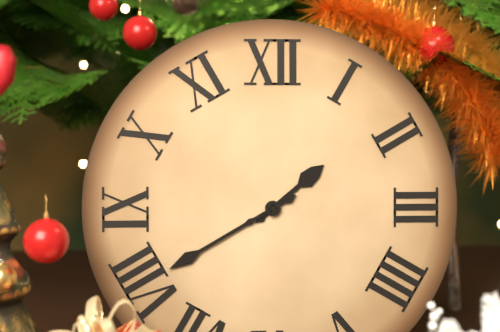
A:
1,40
